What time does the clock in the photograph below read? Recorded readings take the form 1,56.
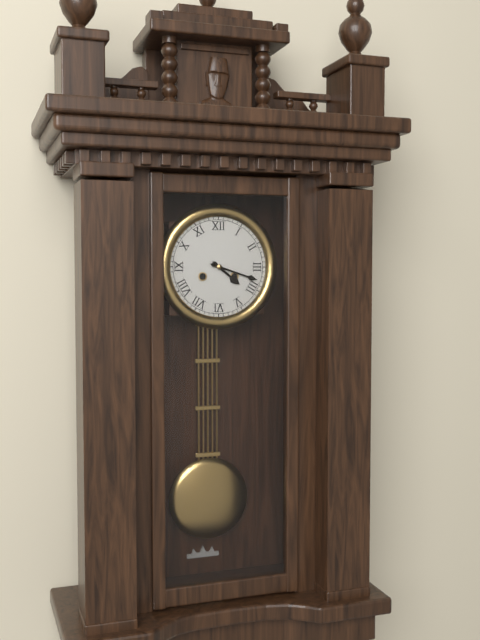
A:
4,18
